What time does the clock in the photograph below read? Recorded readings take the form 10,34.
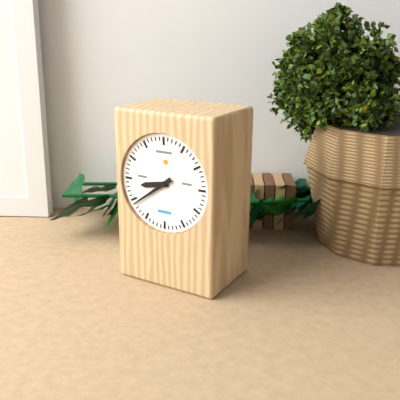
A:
8,39
